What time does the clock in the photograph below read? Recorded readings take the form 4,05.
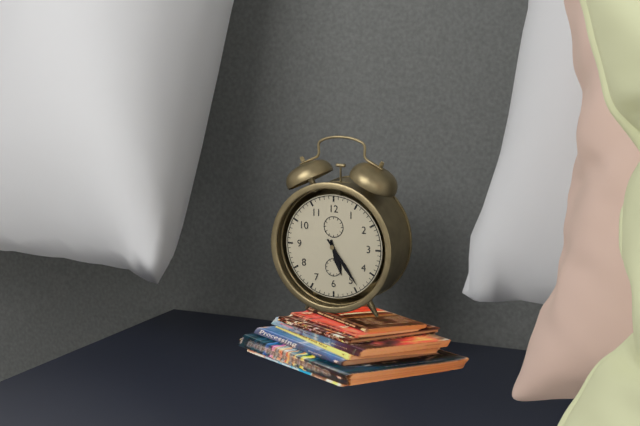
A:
5,24
